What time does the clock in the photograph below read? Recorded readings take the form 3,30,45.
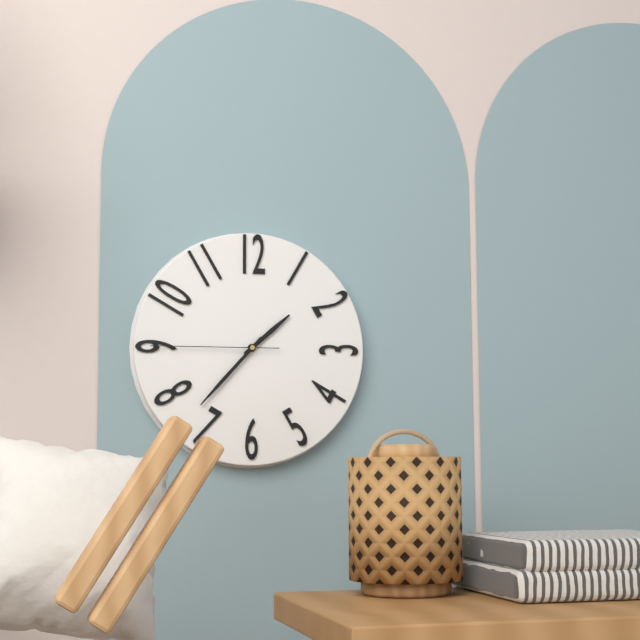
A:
1,37,45
